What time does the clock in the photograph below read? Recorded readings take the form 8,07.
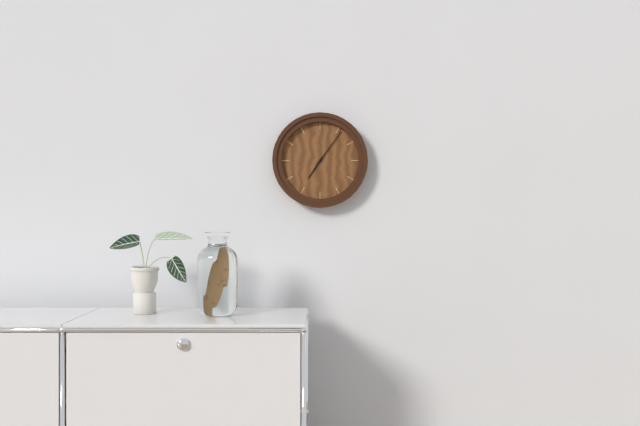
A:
7,06
